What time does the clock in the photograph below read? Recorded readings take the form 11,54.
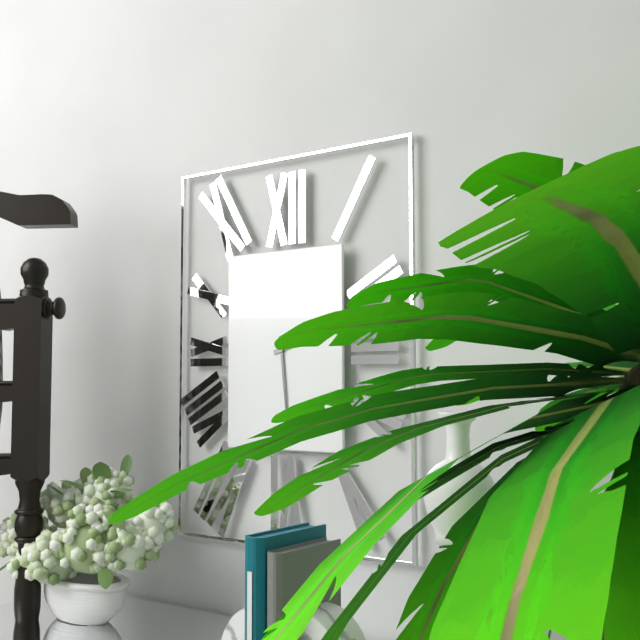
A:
2,29
